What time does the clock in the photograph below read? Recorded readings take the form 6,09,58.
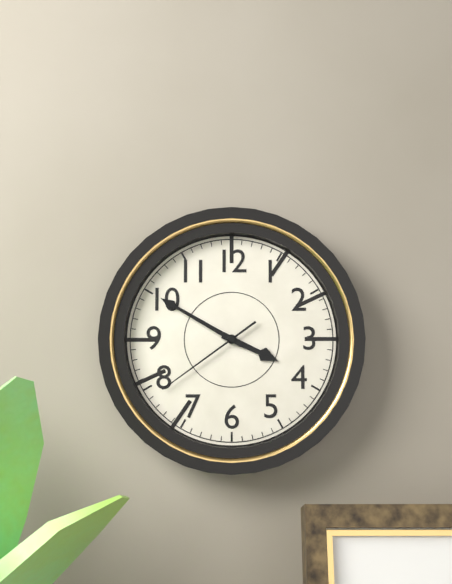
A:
3,50,39
